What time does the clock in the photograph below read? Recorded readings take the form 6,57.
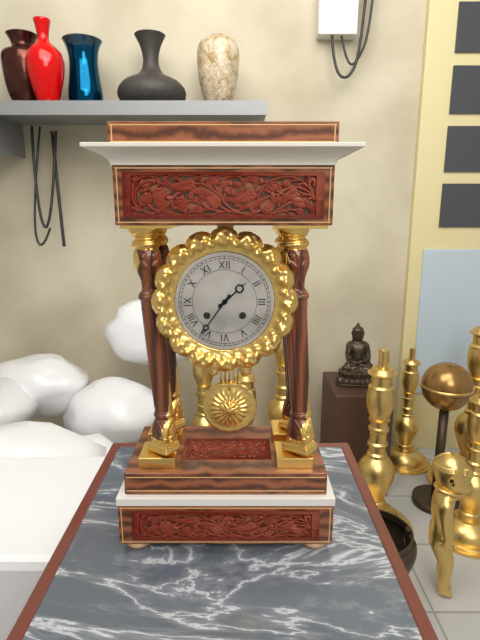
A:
1,36
